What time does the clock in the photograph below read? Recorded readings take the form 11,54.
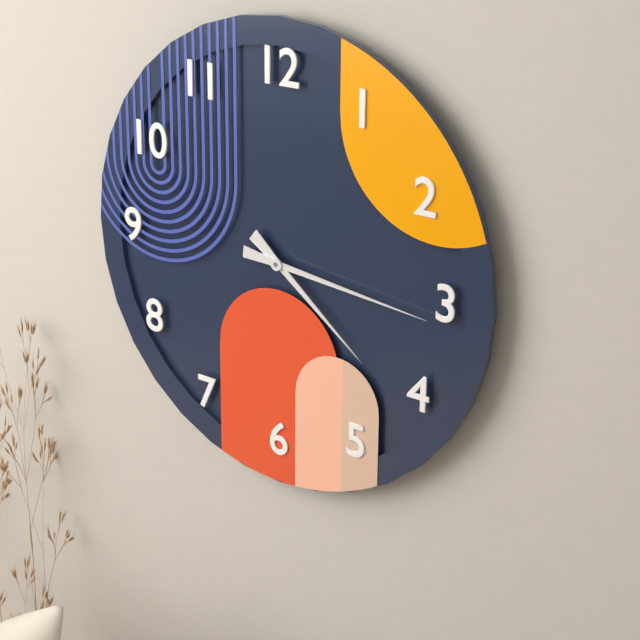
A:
4,16
